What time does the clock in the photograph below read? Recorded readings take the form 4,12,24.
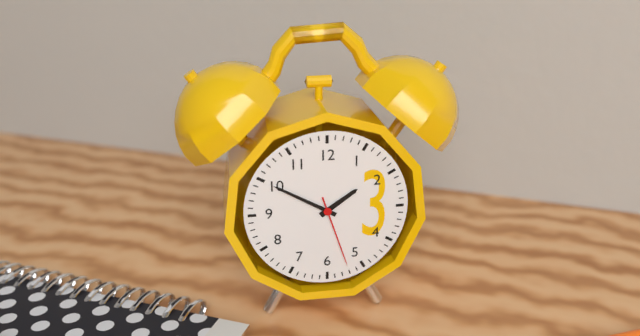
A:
1,50,27
